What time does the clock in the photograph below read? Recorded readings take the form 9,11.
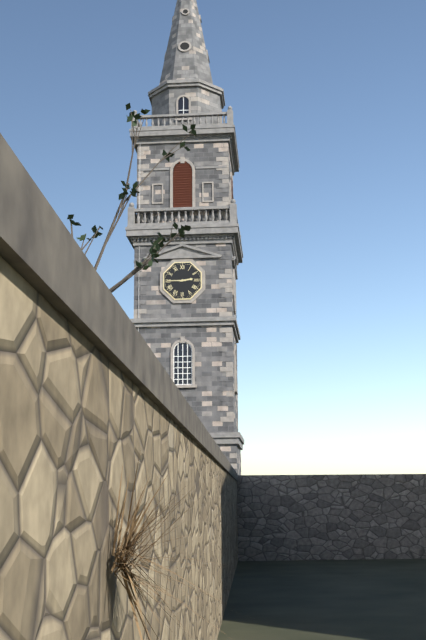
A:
2,45
